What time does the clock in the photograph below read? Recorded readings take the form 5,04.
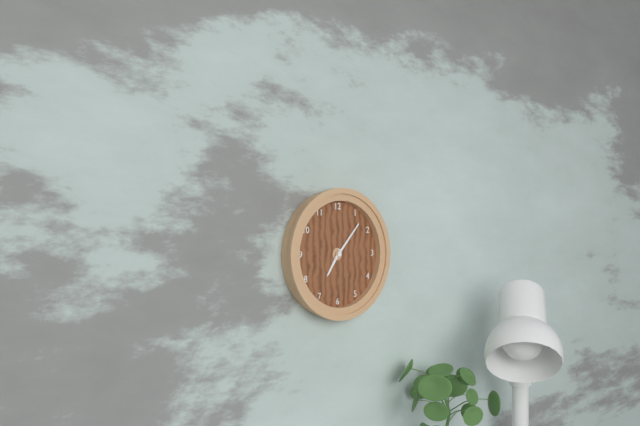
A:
7,07
